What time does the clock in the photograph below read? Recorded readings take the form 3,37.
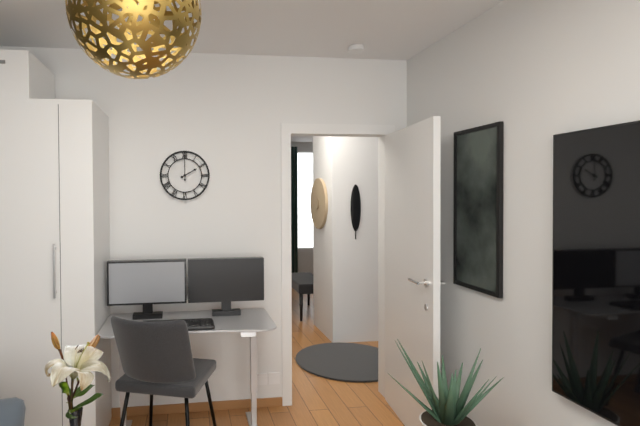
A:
2,00
